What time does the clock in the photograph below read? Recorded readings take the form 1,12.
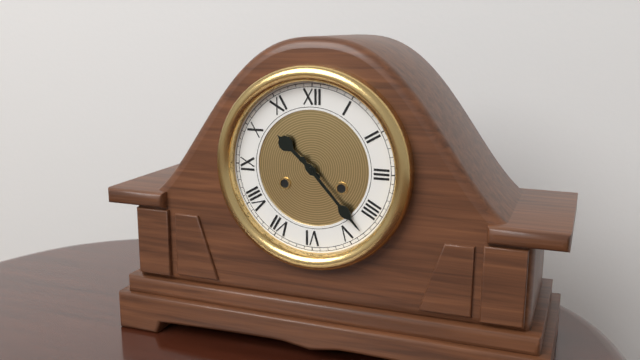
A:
10,23
